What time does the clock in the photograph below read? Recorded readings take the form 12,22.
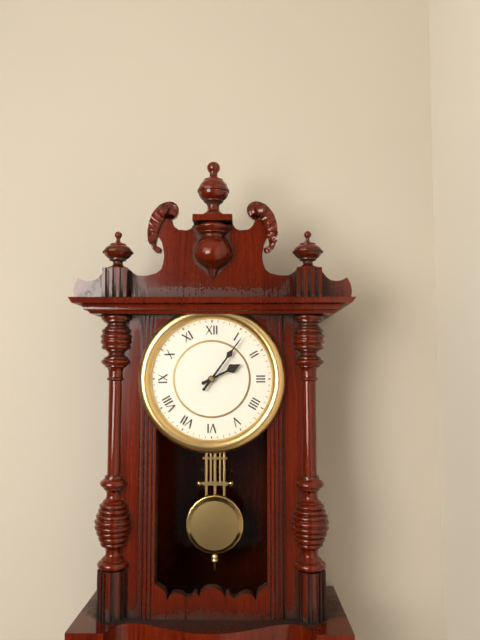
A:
2,06
